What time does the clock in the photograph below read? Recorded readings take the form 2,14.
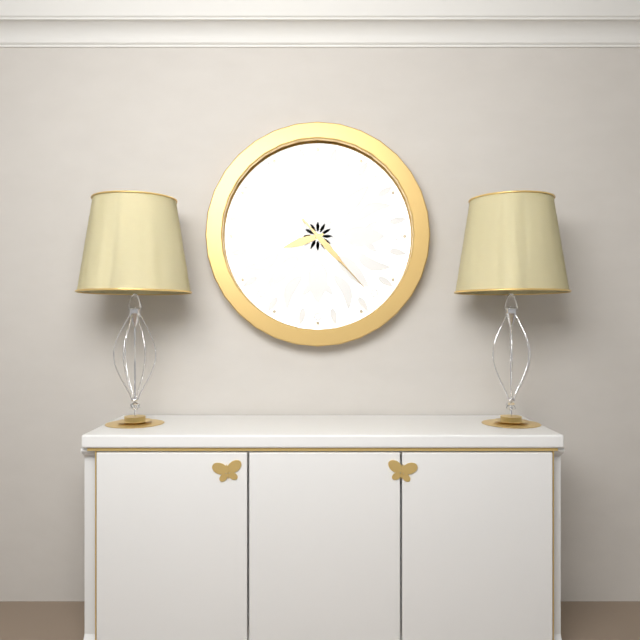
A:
8,23
